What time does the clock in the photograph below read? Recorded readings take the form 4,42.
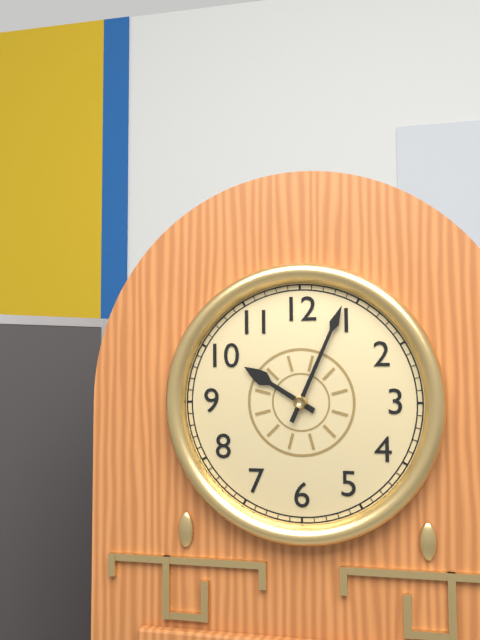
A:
10,04
